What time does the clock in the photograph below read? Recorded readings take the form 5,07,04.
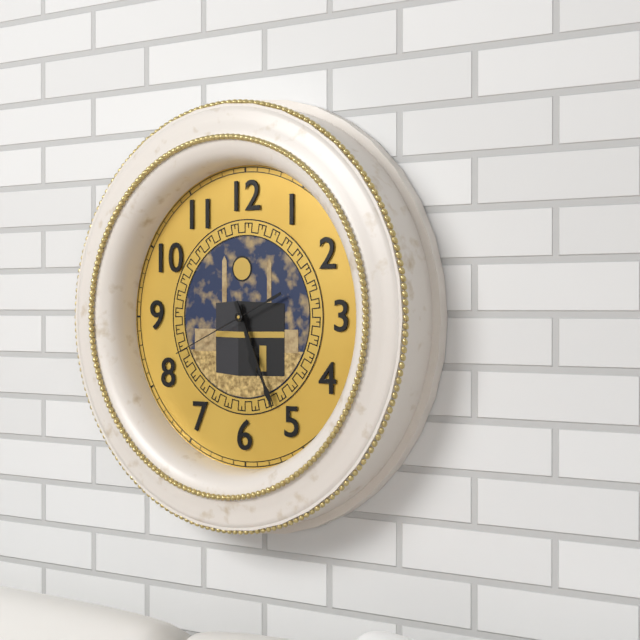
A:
5,26,41
